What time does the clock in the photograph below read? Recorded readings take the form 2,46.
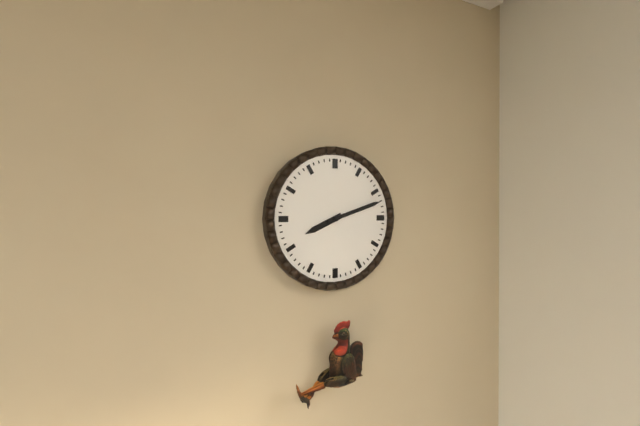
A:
8,12
